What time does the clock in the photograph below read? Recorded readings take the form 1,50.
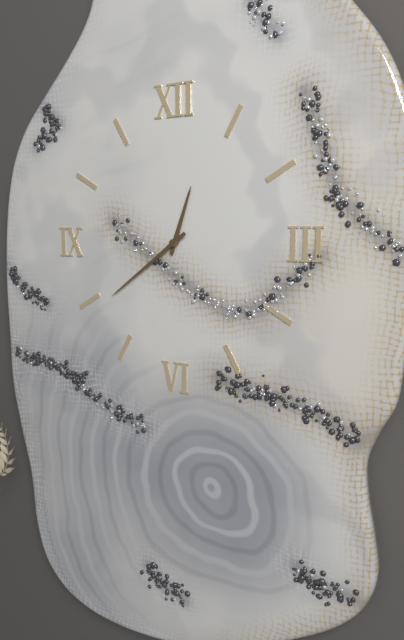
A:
12,39
